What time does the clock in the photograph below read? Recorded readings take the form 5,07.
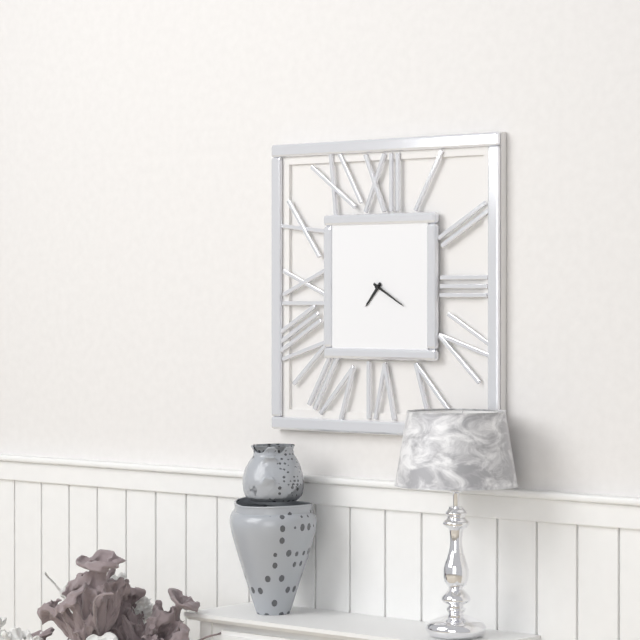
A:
7,20
